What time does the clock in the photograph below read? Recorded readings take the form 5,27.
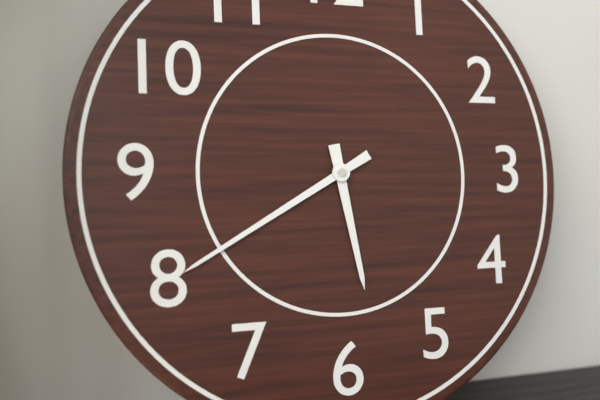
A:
5,40
